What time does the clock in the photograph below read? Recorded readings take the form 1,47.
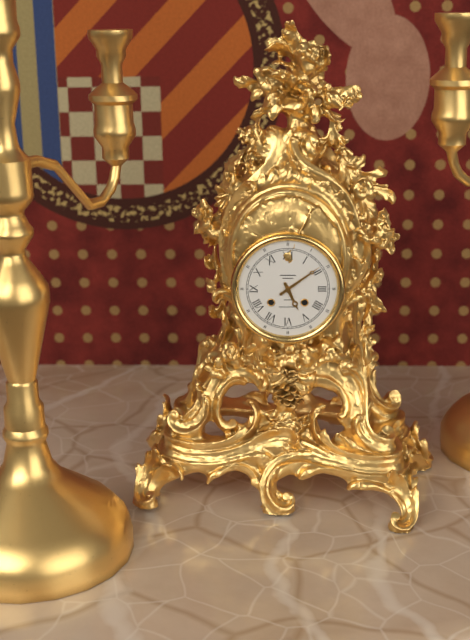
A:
5,09
